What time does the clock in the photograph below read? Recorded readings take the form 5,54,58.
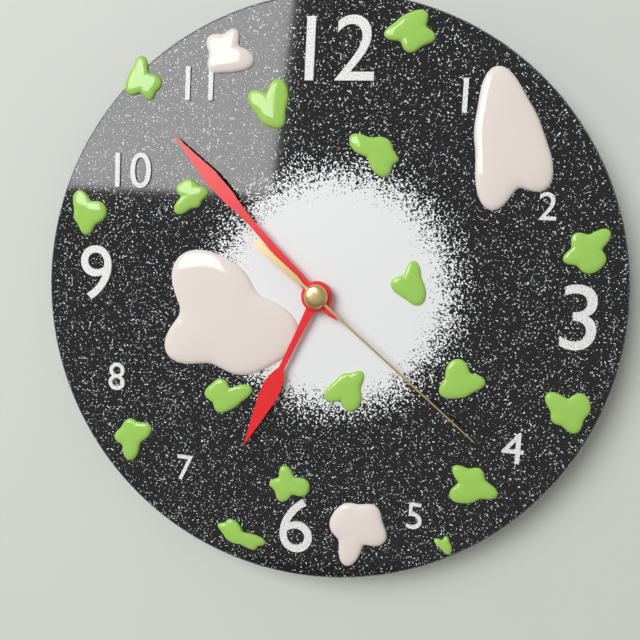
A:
6,53,22
